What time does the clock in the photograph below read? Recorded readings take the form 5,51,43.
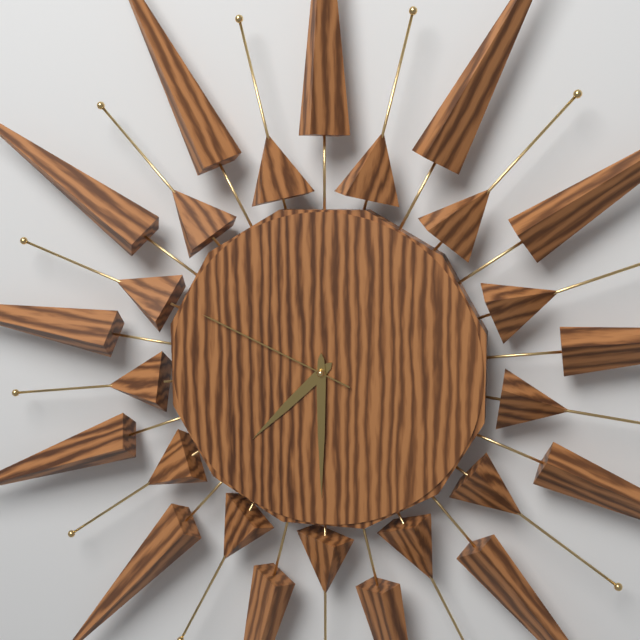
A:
7,30,49
